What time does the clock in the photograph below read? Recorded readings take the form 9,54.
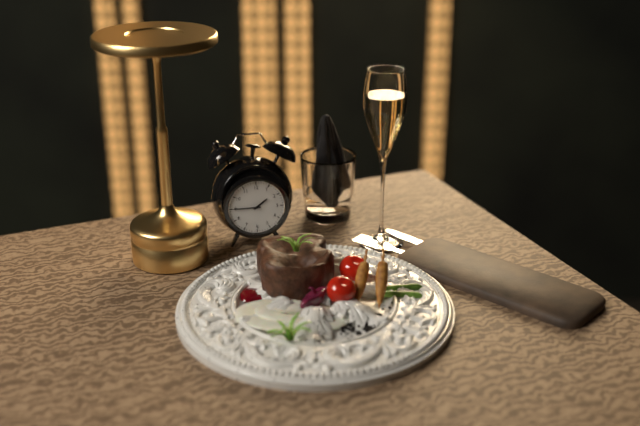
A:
1,45
